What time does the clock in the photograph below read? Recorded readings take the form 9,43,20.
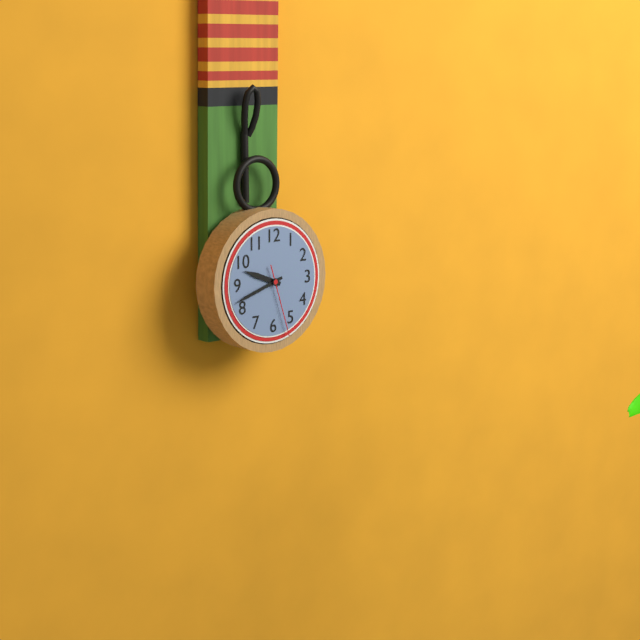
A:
9,42,27
